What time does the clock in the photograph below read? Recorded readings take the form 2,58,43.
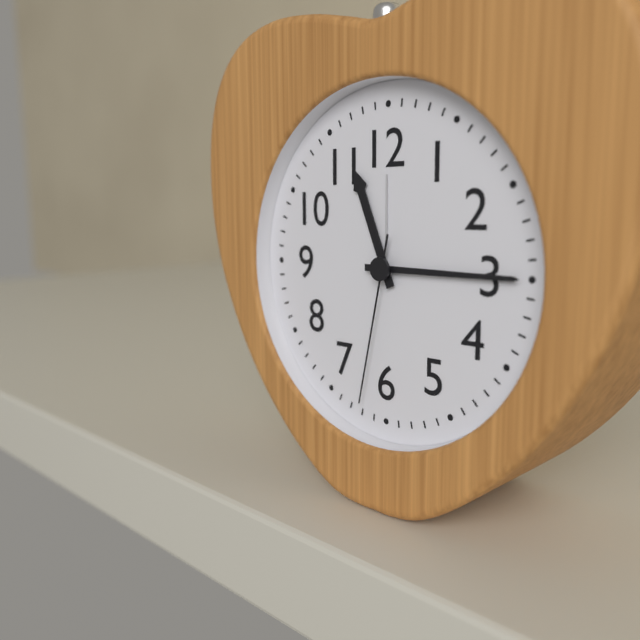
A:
11,15,32
